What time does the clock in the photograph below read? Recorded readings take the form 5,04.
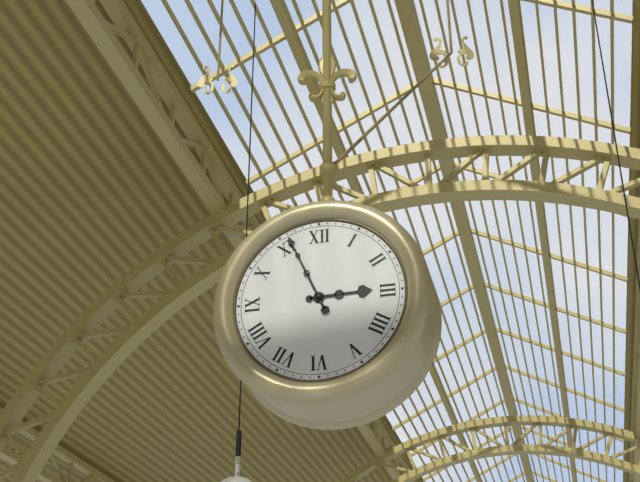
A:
2,56
